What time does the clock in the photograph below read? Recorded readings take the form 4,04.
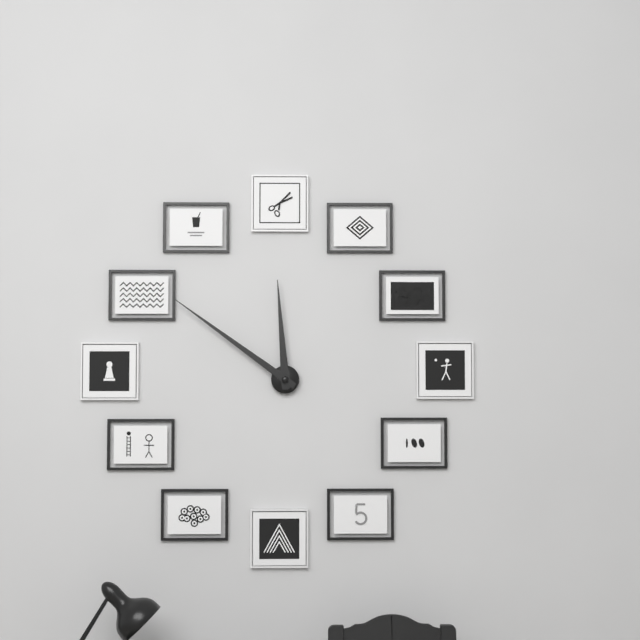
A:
11,51
